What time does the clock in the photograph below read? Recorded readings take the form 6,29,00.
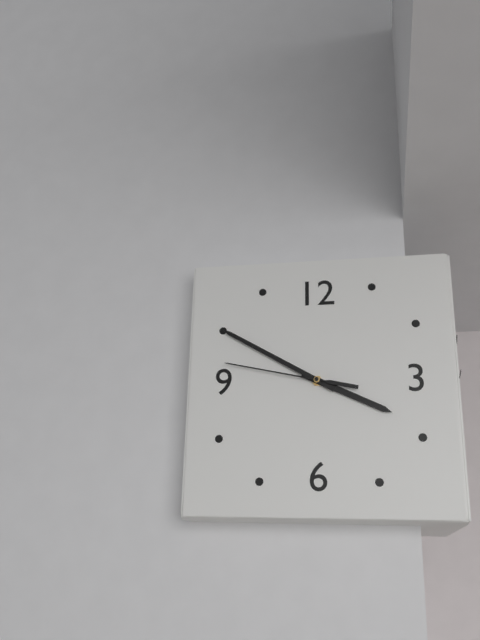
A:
3,50,47
